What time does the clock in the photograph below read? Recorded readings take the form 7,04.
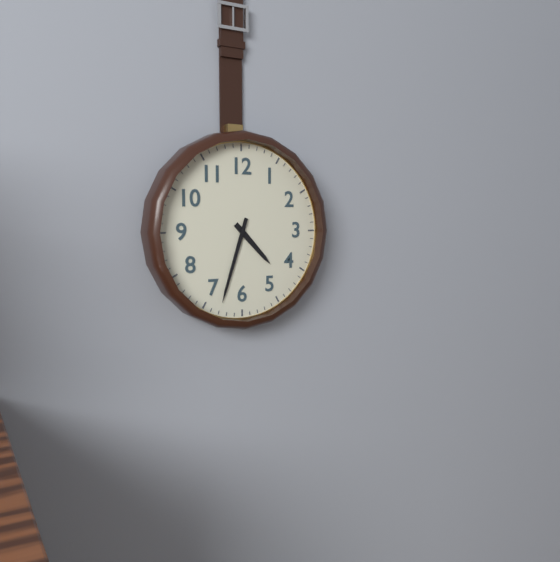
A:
4,33
